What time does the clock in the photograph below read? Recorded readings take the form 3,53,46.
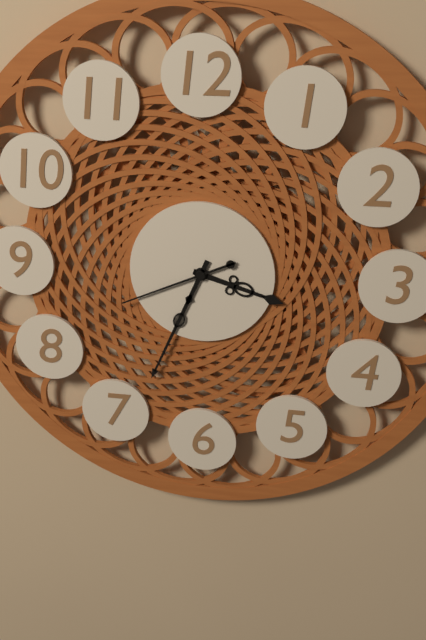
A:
3,34,41
